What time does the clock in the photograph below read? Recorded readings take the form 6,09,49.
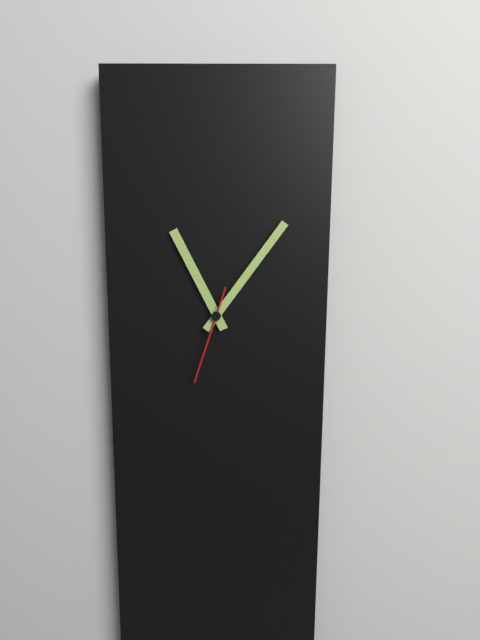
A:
11,06,33
